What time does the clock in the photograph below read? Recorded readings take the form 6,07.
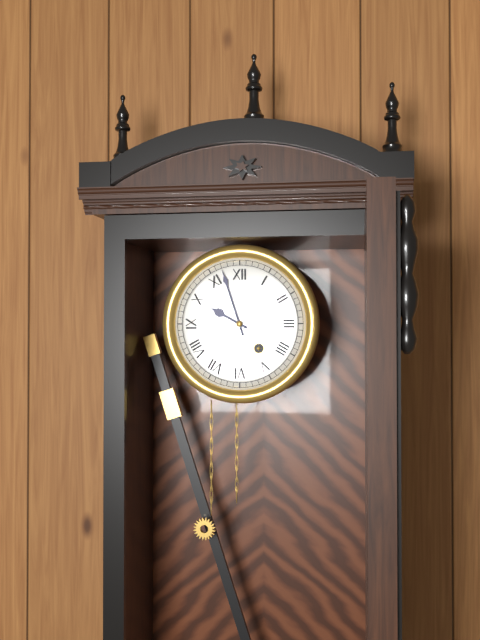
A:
9,57
